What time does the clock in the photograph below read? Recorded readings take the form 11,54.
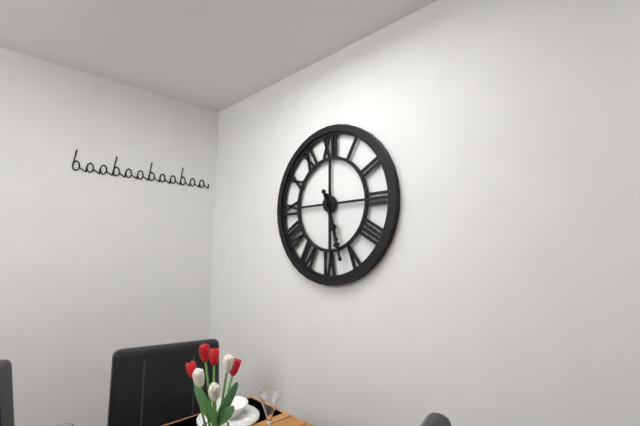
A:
5,27
